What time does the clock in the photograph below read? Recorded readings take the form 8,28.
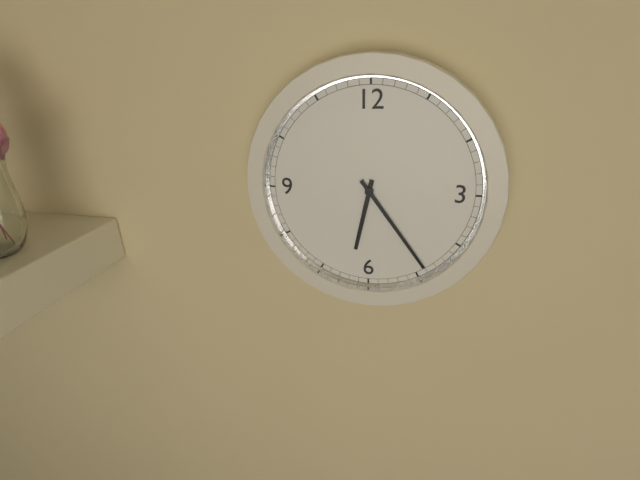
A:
6,24
